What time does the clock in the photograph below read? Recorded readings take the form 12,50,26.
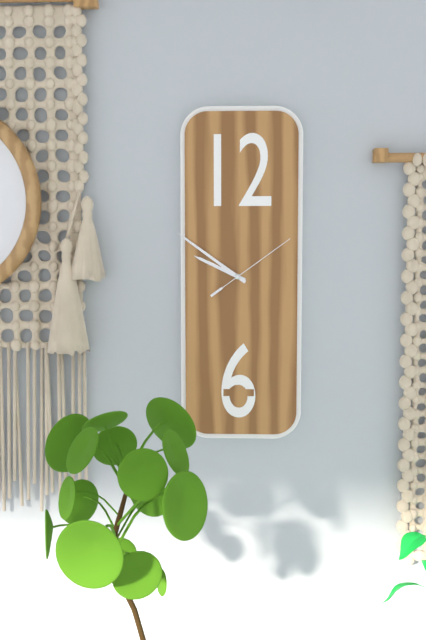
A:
9,51,09
